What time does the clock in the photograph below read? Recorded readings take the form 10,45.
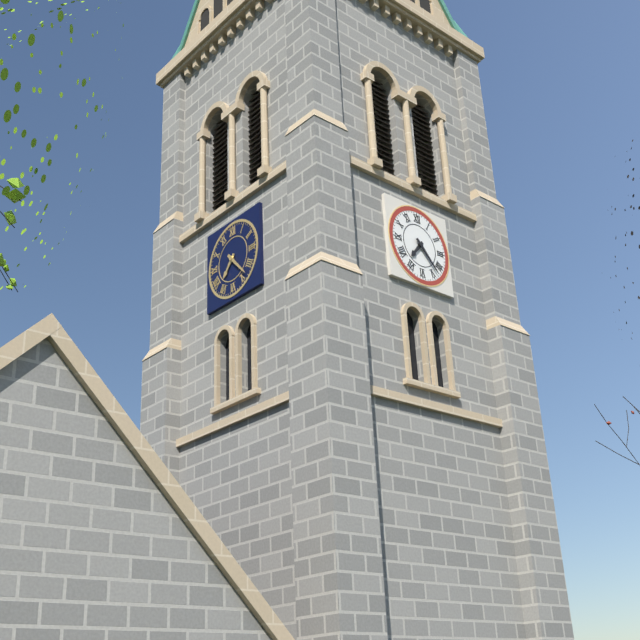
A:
7,23
